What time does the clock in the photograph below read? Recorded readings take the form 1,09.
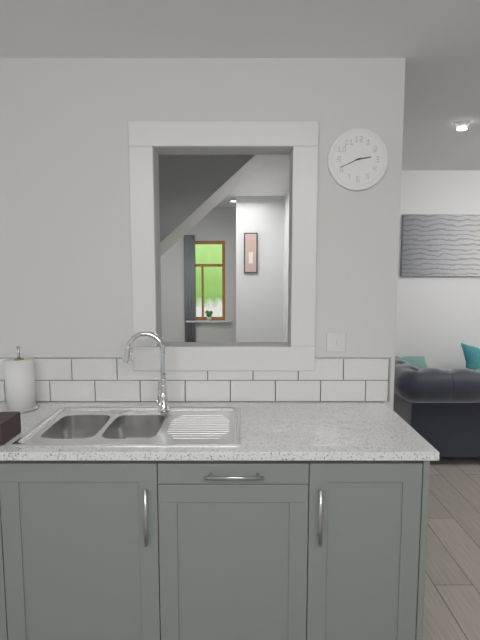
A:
2,41
